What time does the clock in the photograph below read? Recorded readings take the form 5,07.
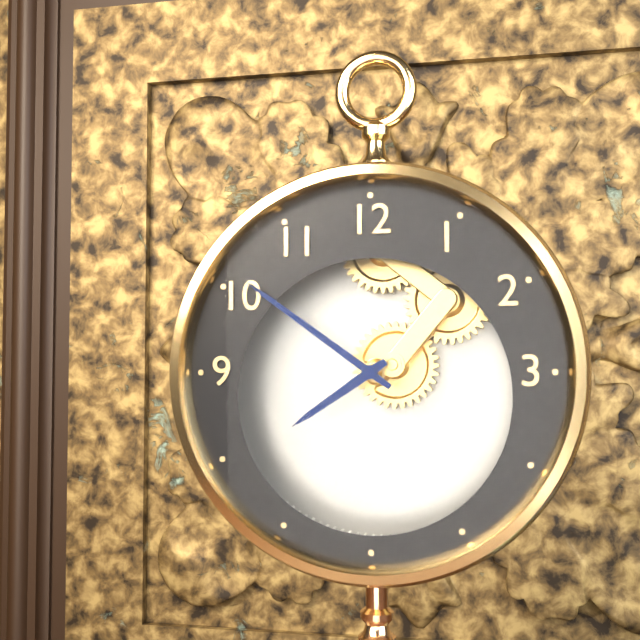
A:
7,51
